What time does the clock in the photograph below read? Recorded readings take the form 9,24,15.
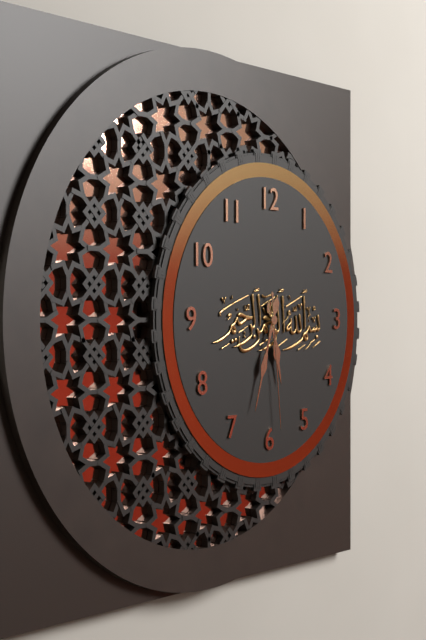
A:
5,33,29
